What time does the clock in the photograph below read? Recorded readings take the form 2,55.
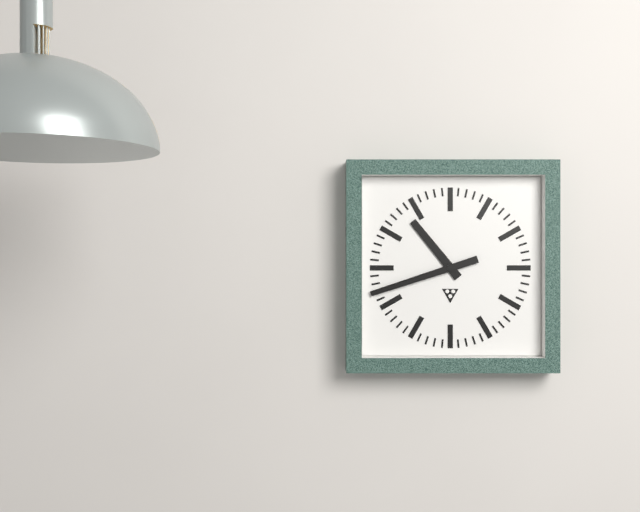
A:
10,42
